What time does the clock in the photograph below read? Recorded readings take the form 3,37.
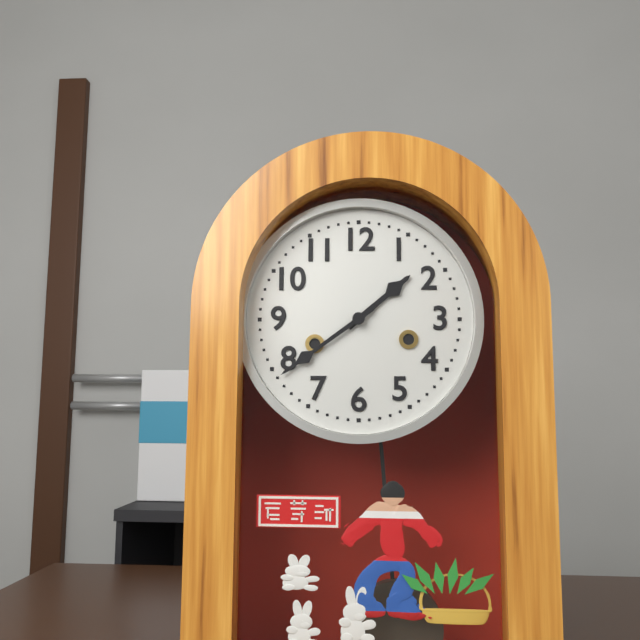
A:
1,39
